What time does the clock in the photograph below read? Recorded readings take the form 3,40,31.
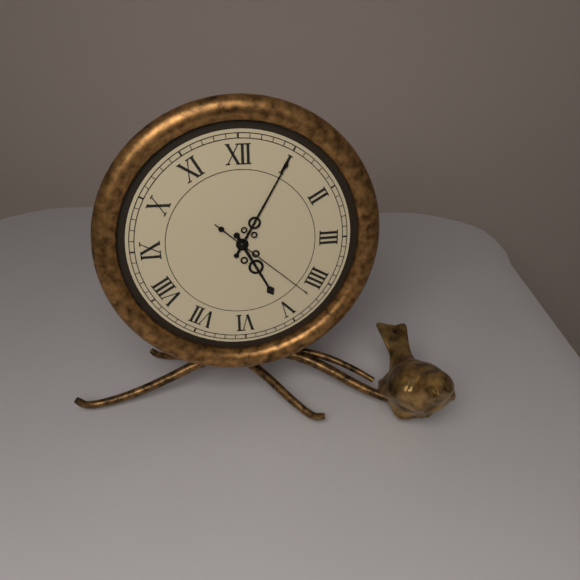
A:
5,05,22
